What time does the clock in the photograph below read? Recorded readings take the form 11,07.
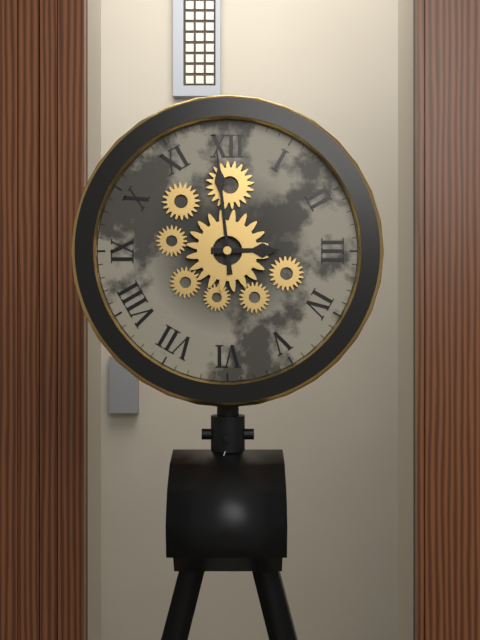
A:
2,59
